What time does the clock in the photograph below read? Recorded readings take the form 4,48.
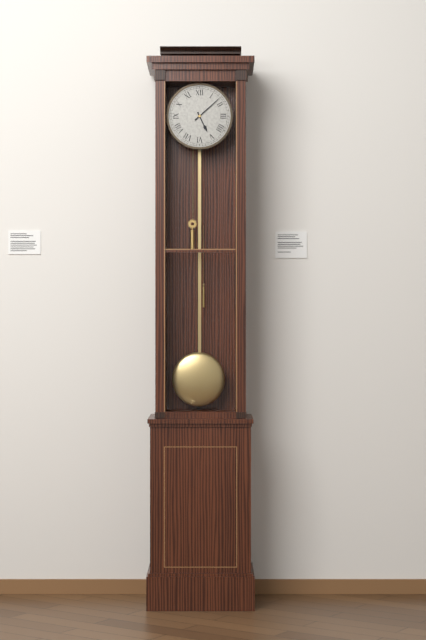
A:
5,08
